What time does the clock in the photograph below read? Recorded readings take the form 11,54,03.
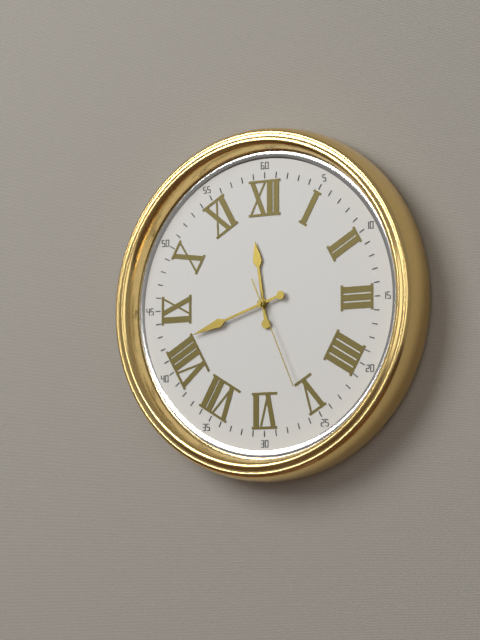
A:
11,42,26
